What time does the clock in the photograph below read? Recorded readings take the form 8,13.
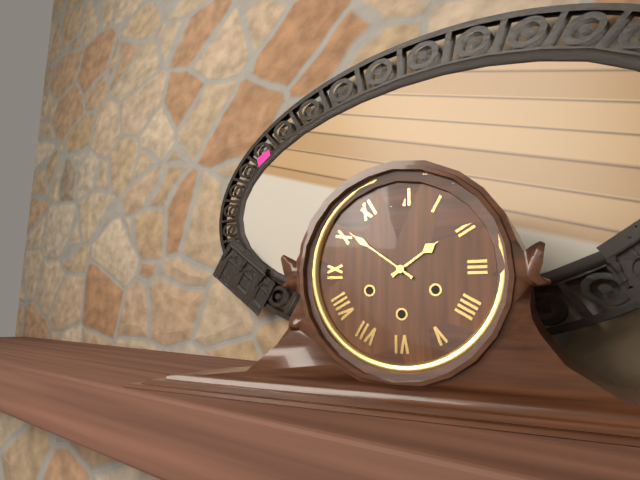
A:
1,51
